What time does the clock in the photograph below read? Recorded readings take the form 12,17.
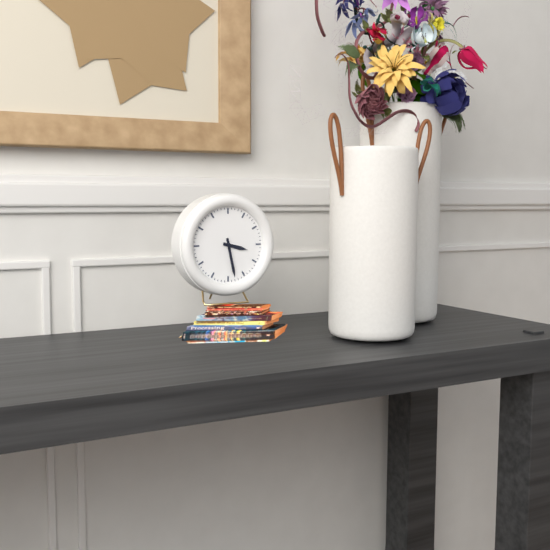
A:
3,28
